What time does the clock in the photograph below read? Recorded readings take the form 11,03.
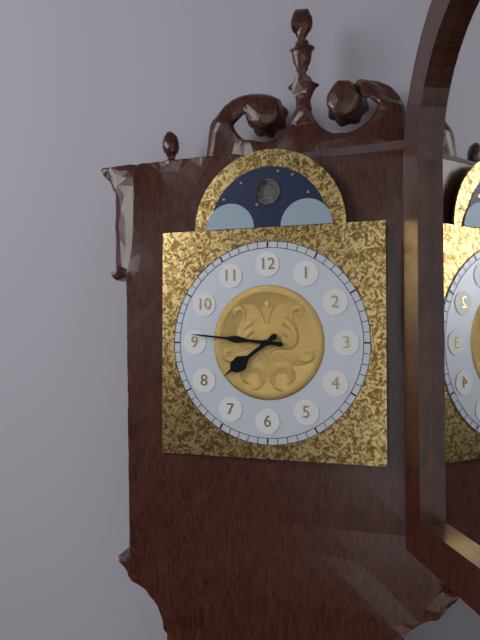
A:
7,46
